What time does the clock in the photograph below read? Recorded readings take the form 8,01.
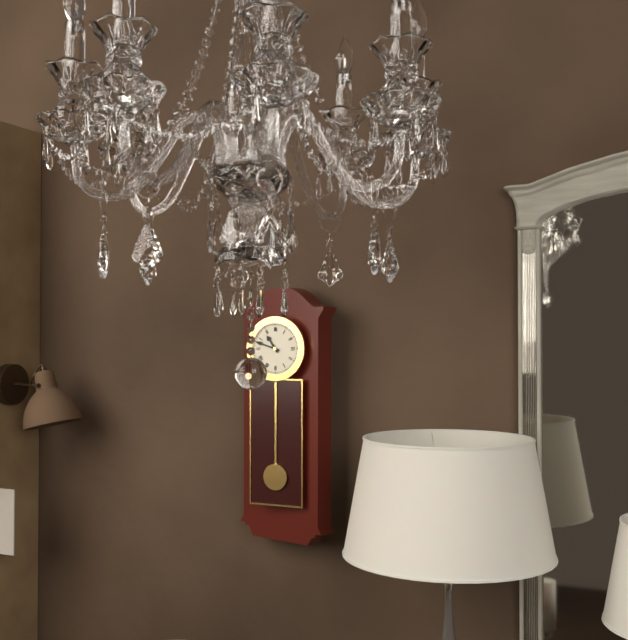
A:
10,48
